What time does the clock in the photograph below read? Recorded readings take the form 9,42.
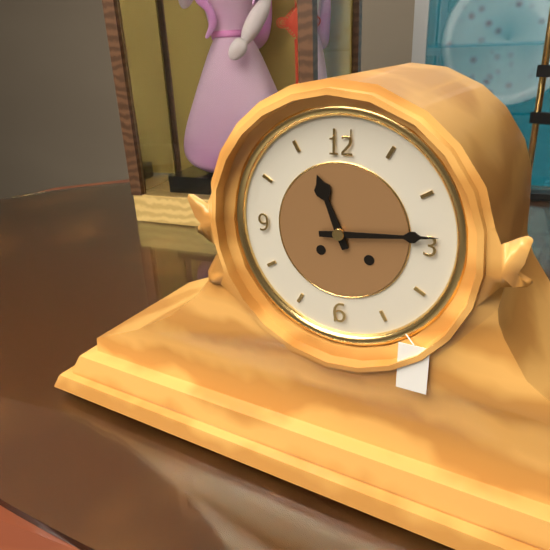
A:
11,14
